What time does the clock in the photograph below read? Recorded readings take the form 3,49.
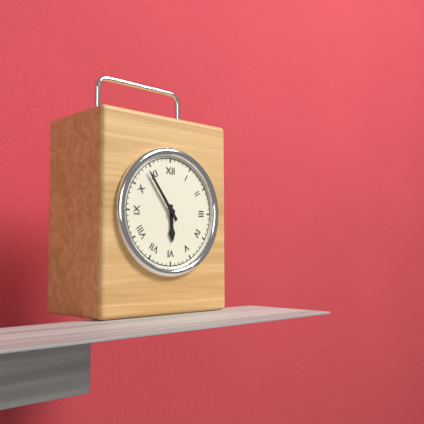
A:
5,54
